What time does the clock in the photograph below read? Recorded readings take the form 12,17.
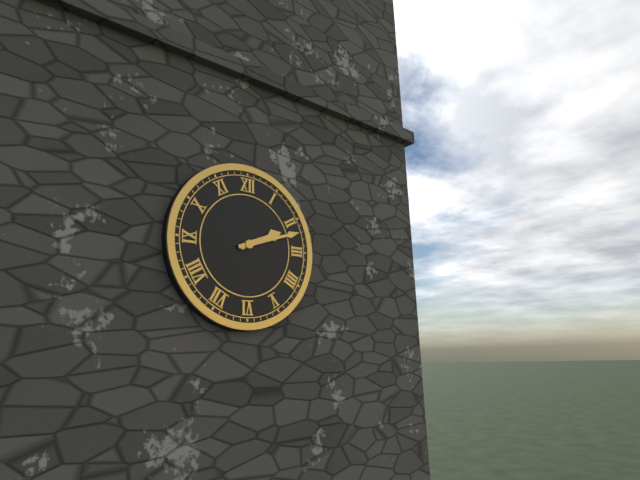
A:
2,12
